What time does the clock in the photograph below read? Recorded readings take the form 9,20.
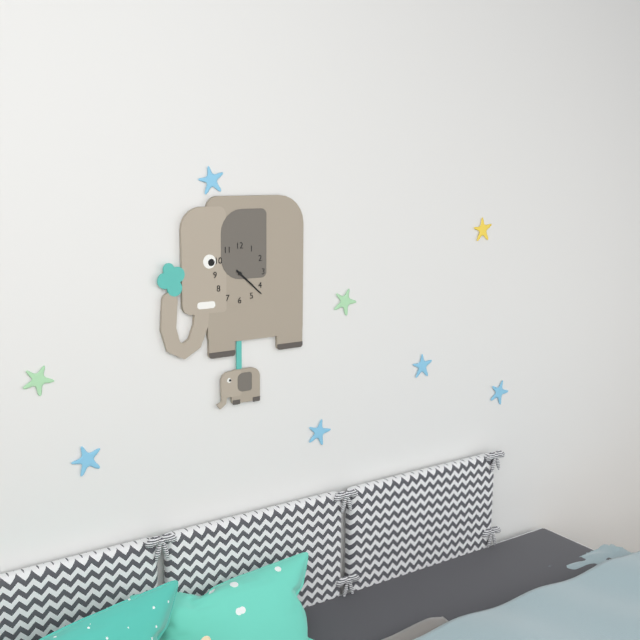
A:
4,22
